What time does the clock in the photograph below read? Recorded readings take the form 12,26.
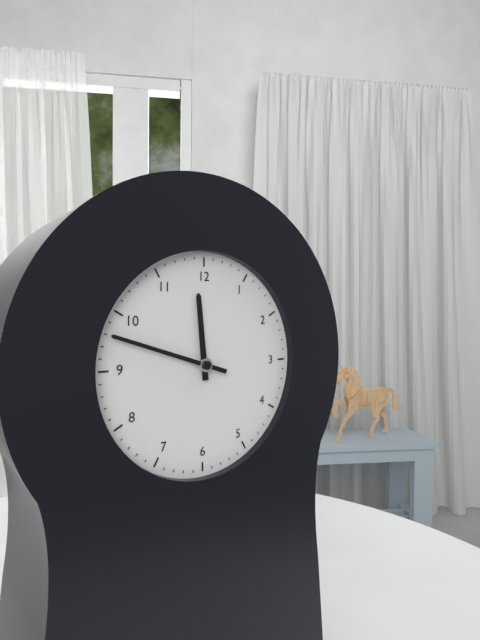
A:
11,48
